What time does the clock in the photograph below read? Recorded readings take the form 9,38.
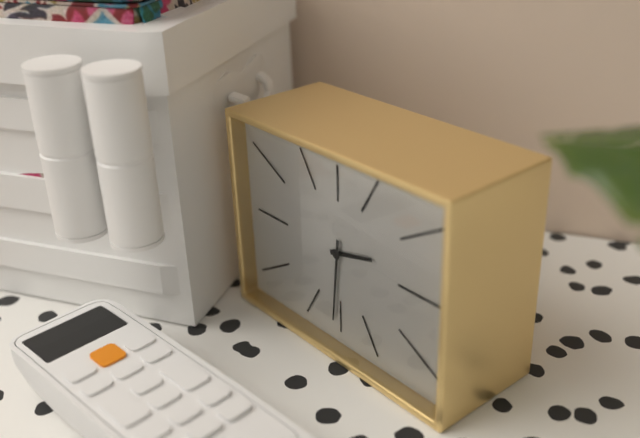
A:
2,31
